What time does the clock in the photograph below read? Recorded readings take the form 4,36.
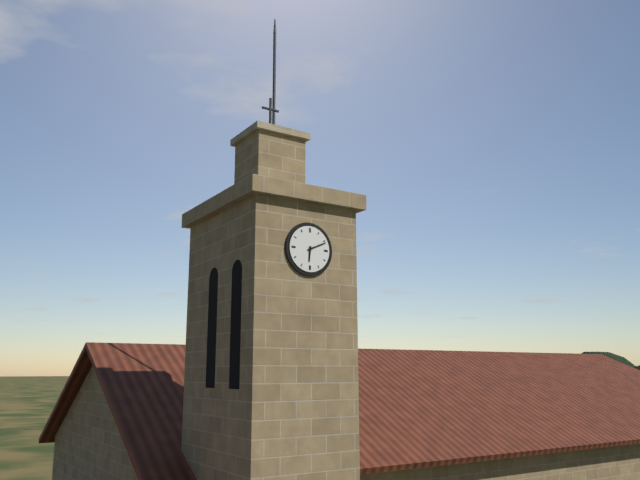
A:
6,11
